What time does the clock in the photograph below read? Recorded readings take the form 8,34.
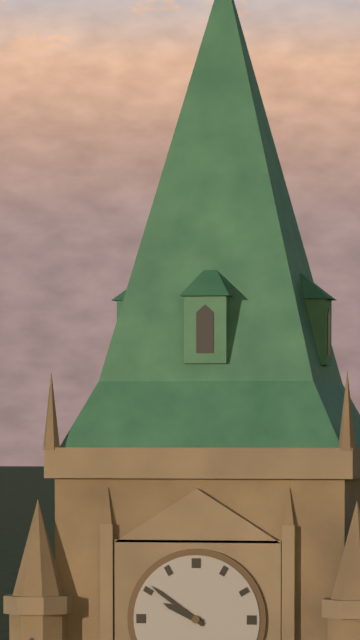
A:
9,51
